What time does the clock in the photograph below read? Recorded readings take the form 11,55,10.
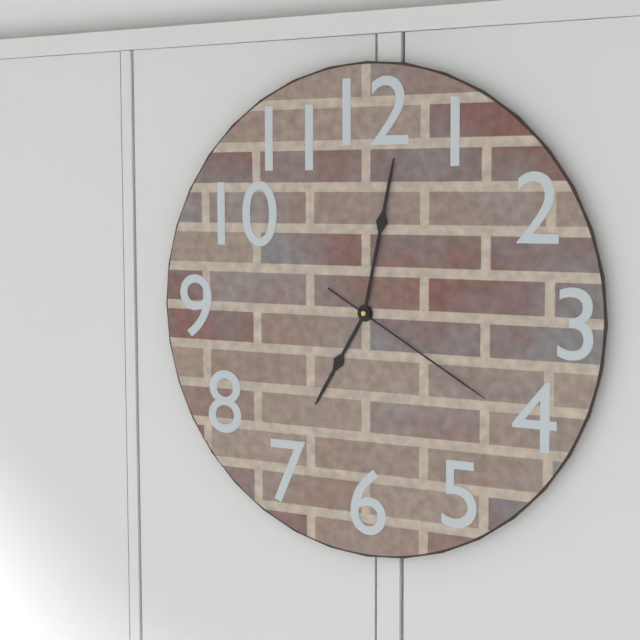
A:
7,02,20
